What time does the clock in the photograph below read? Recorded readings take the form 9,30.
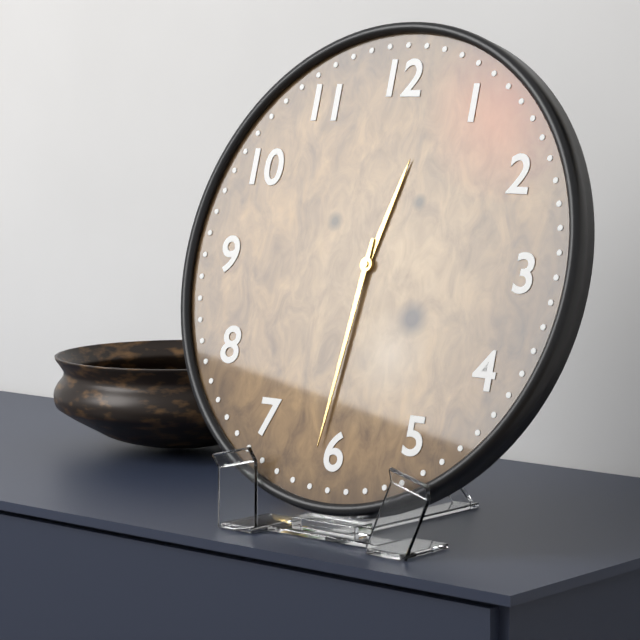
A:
12,31
